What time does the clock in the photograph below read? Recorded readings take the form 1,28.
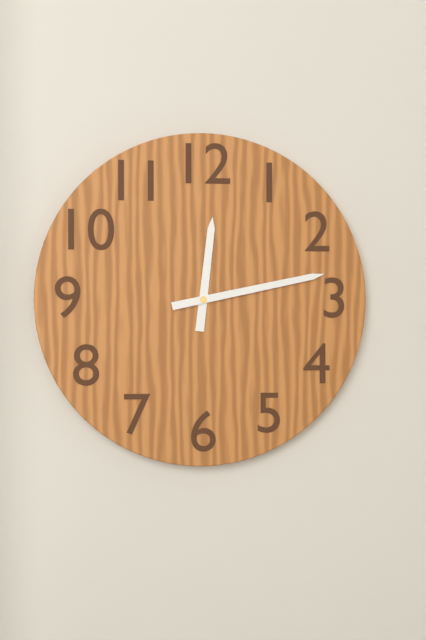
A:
12,13
